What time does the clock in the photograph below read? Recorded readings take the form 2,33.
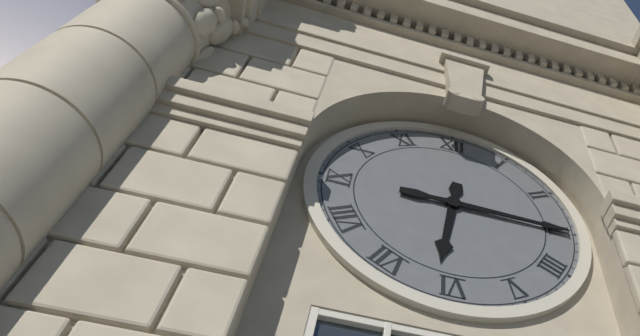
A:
6,15
